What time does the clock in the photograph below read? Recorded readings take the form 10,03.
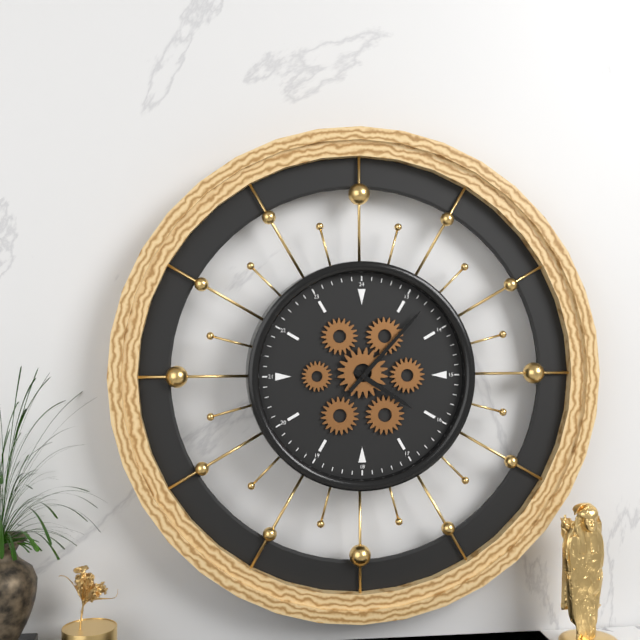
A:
4,07
